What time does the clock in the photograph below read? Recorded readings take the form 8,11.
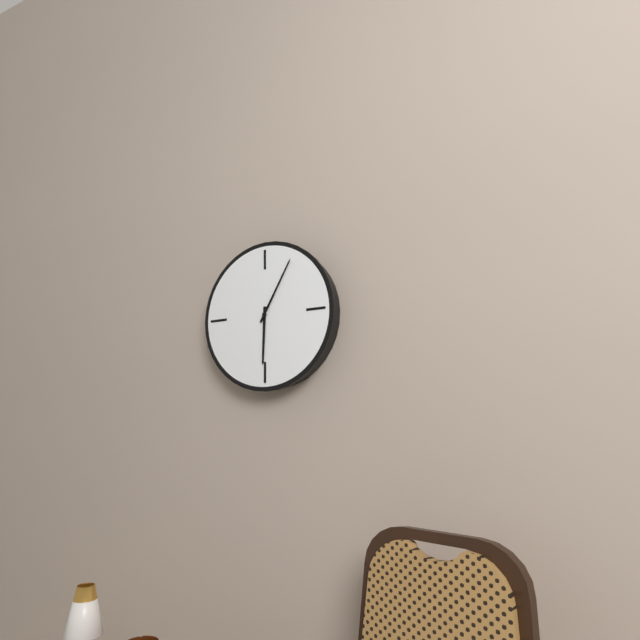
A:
6,05
